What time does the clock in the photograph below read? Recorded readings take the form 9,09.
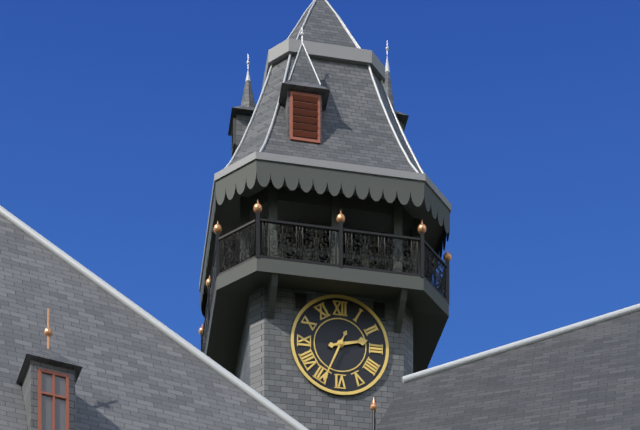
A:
2,34
